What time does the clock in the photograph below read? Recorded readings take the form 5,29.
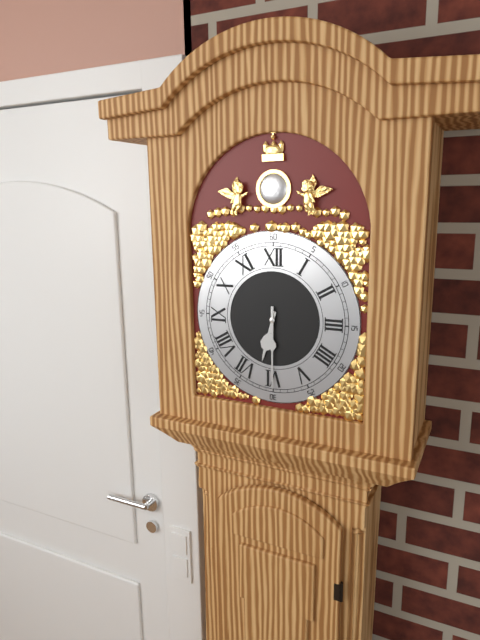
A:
6,30
